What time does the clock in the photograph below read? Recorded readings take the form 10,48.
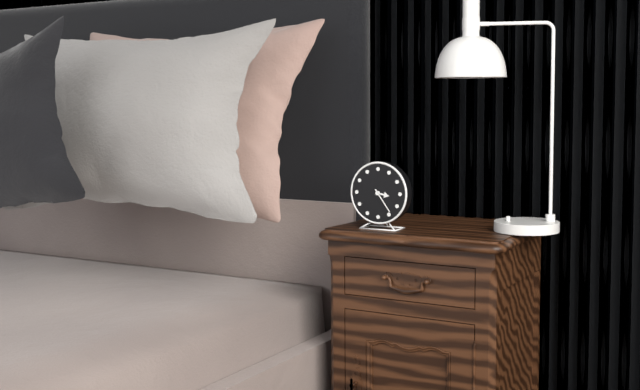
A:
3,24
